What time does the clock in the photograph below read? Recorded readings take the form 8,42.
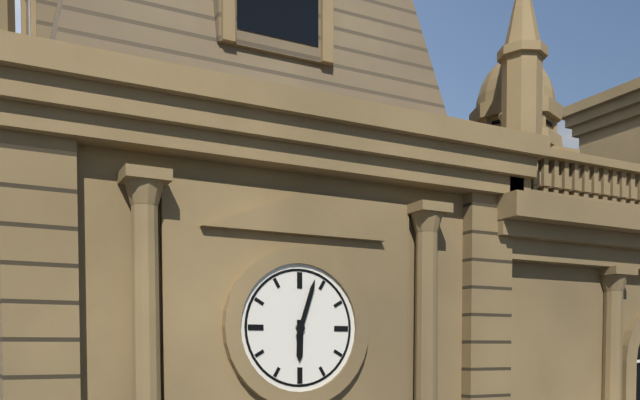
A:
6,03
